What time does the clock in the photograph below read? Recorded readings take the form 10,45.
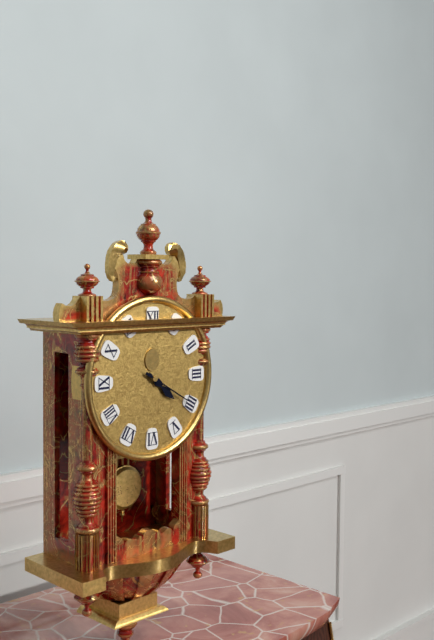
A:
4,20
